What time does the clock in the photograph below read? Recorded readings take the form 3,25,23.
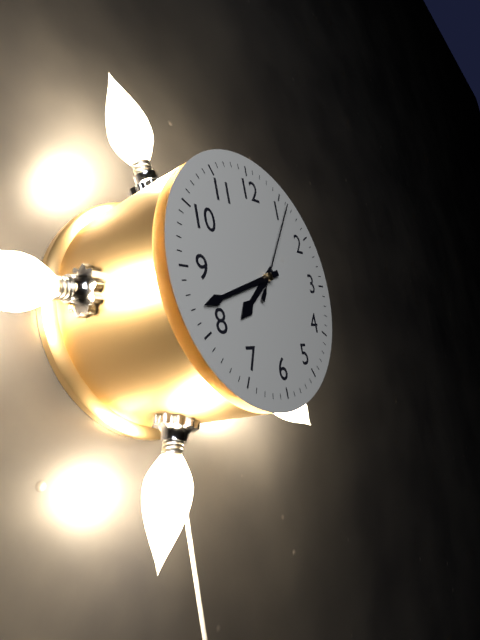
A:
7,42,06
